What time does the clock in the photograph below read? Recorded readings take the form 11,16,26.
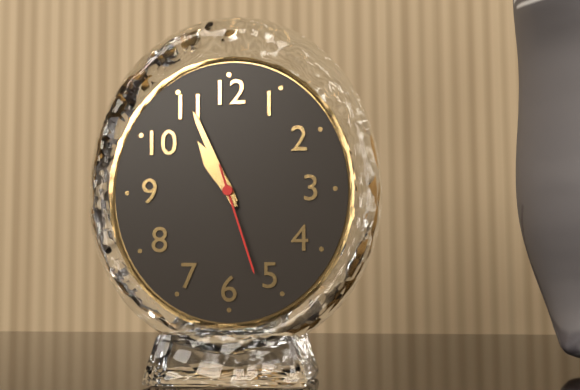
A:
10,56,27
